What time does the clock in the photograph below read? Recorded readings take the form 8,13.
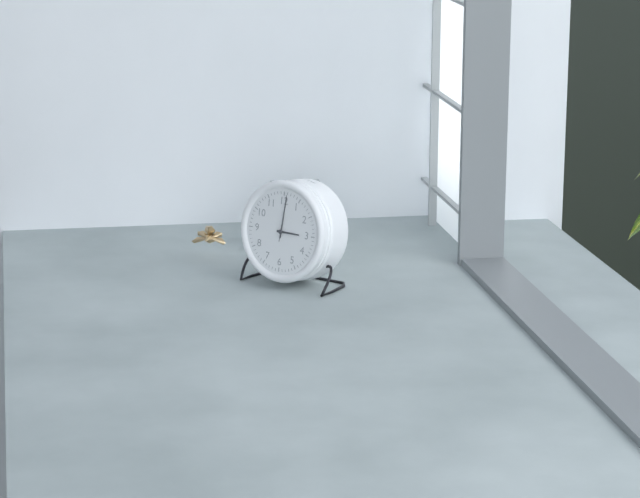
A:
3,01
